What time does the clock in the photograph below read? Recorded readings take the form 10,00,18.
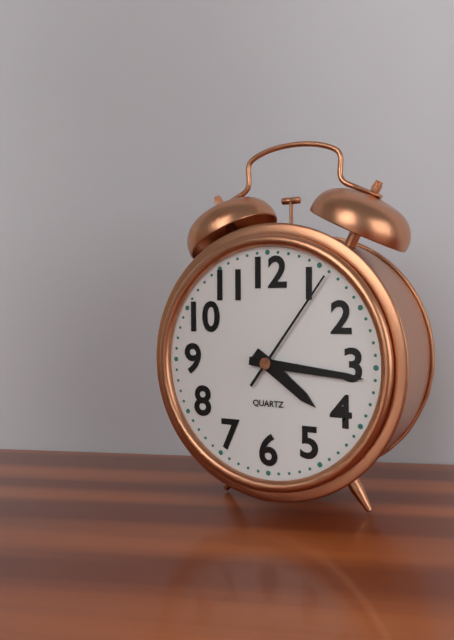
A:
4,16,06
